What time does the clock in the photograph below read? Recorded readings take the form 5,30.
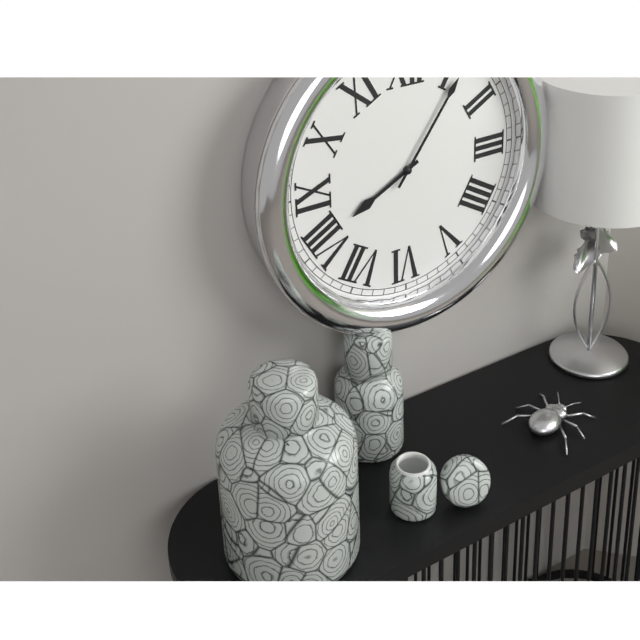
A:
8,06
